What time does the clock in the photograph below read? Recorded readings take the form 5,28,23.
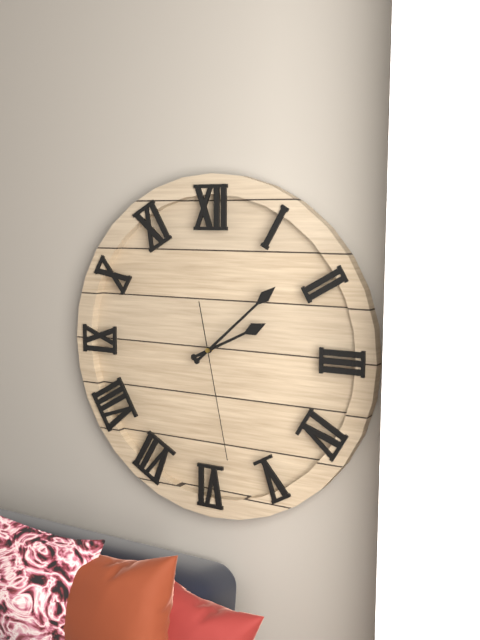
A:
2,08,28
